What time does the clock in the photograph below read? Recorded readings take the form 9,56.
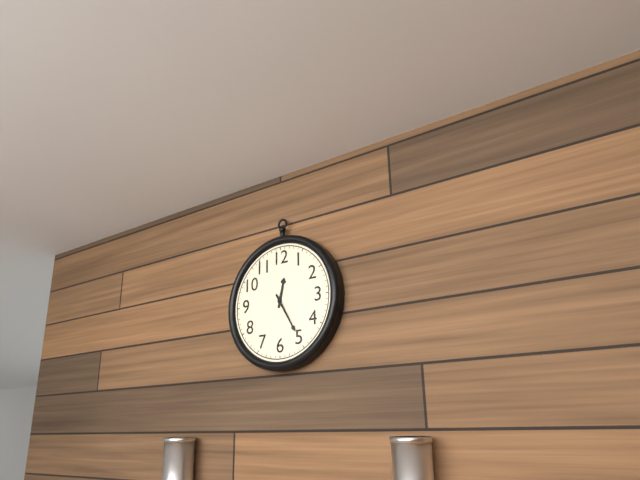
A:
12,25
